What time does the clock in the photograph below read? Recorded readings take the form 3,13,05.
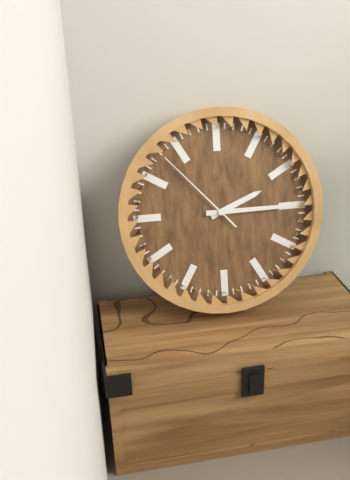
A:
2,15,53
